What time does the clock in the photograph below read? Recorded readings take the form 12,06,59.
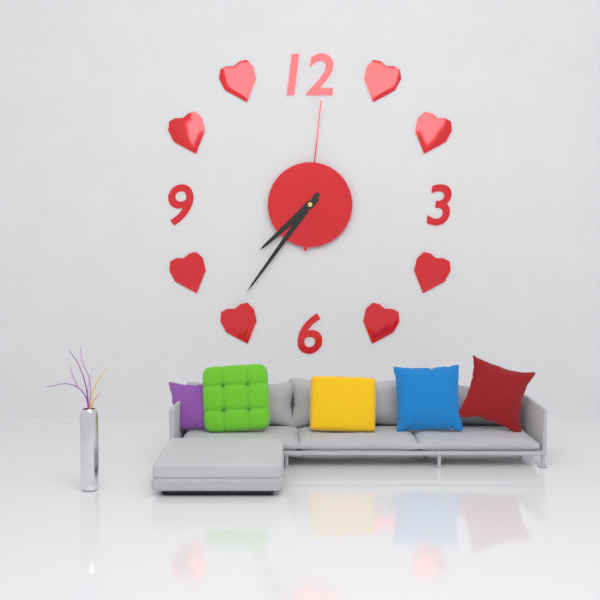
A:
7,36,01
